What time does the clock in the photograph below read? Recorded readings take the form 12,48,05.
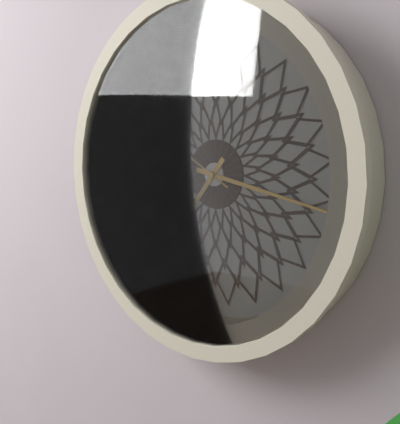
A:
7,17,50
